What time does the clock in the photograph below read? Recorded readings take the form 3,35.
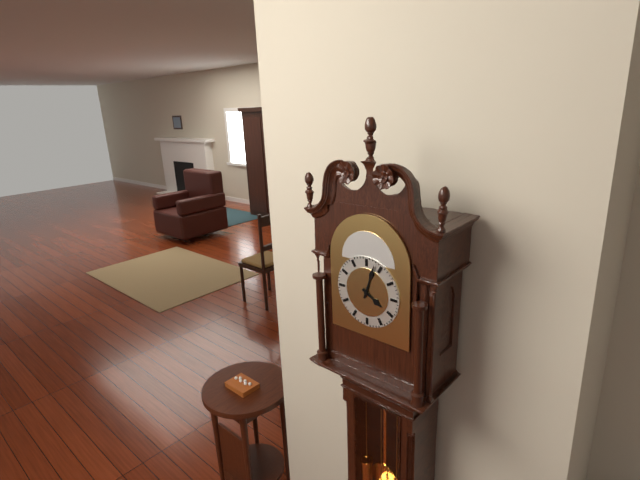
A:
4,03
